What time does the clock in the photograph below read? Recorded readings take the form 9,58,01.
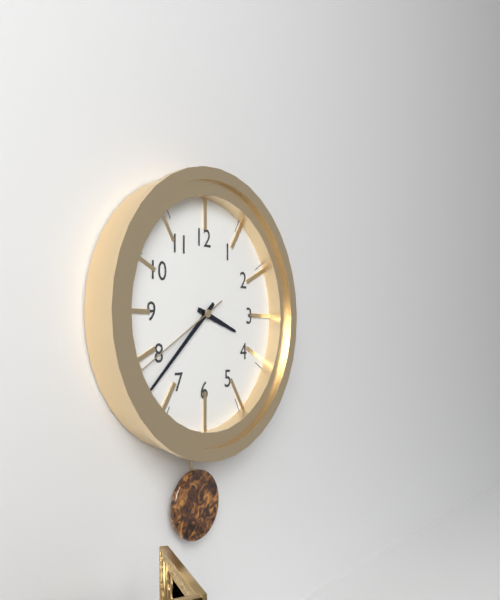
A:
3,38,40
